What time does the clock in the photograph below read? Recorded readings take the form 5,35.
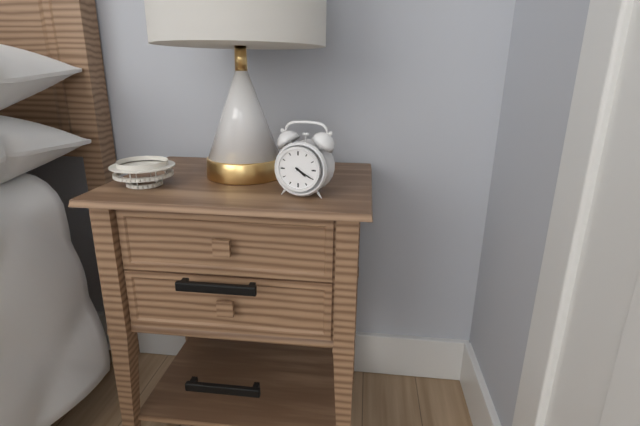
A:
4,20
